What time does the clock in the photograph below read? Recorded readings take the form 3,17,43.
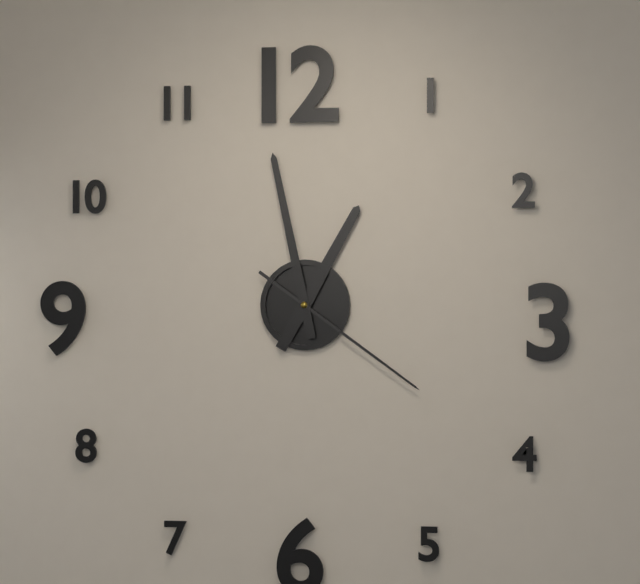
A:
12,58,21
